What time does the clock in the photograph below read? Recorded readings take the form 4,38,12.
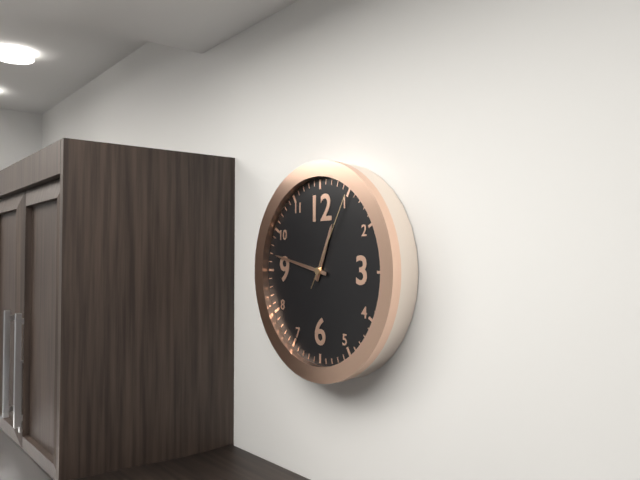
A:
12,47,05
